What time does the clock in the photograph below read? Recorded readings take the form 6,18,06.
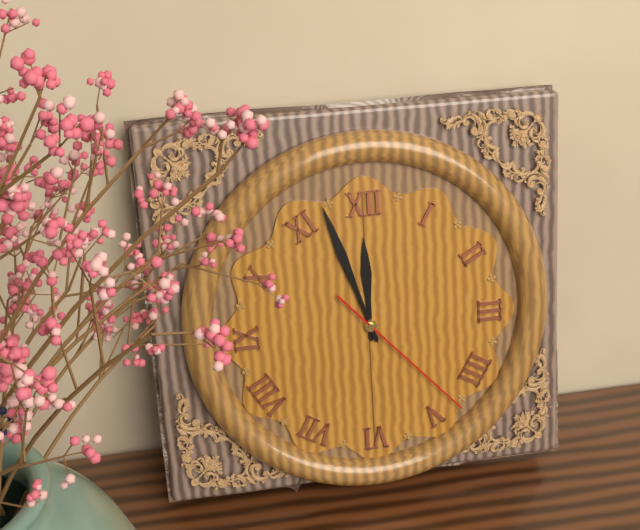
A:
11,57,23
